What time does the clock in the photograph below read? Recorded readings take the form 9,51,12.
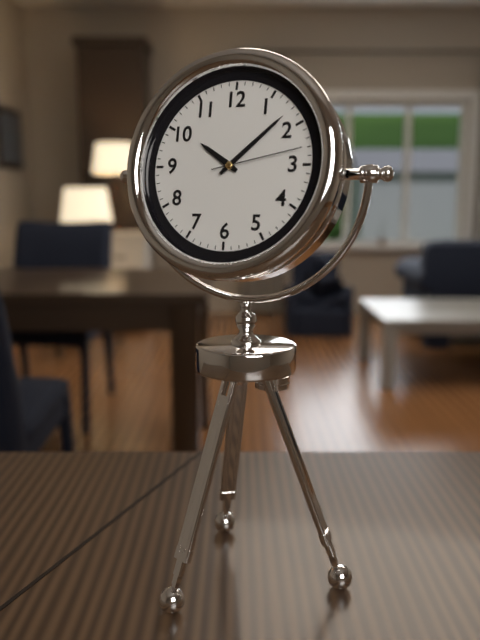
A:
10,08,13
